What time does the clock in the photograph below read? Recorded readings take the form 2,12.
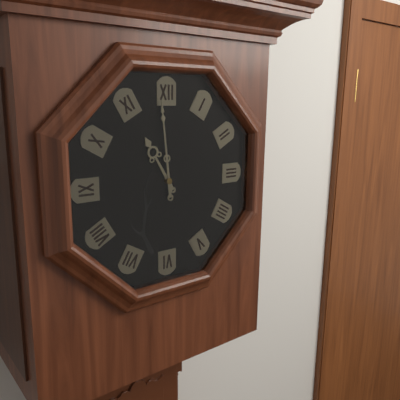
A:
10,59
